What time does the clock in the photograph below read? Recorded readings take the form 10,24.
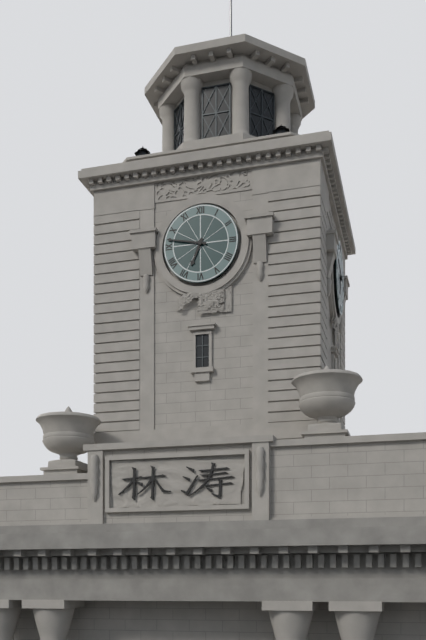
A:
6,47
